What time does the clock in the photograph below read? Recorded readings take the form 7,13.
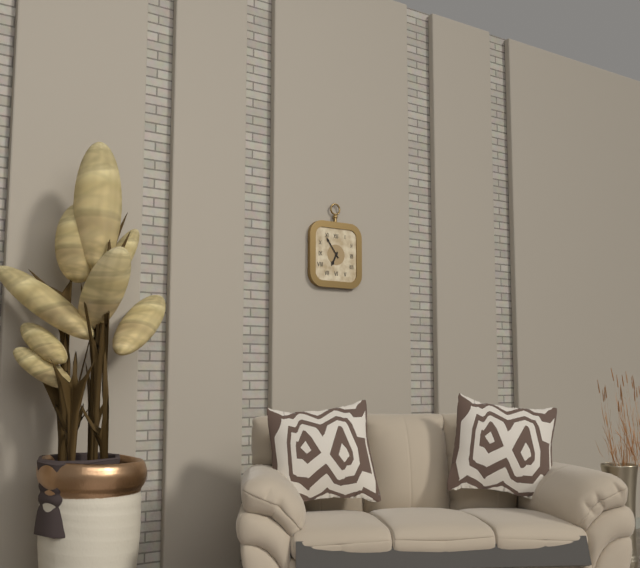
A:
6,54
